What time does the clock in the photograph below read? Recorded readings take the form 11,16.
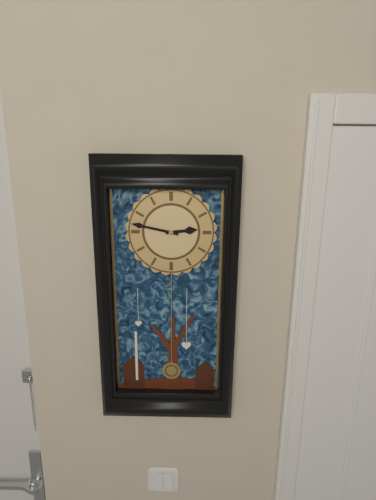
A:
2,47
